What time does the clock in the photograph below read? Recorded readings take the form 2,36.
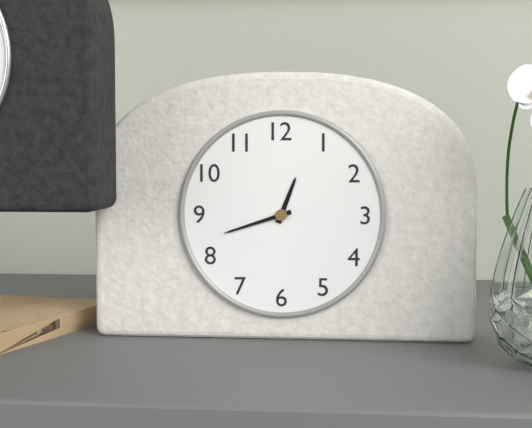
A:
12,42
